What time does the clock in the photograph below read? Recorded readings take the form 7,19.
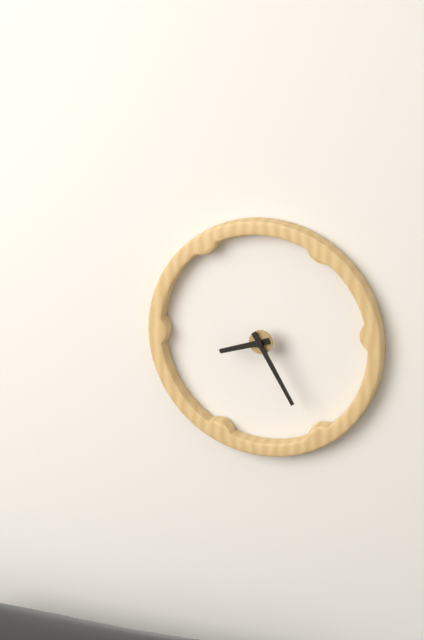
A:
8,25
